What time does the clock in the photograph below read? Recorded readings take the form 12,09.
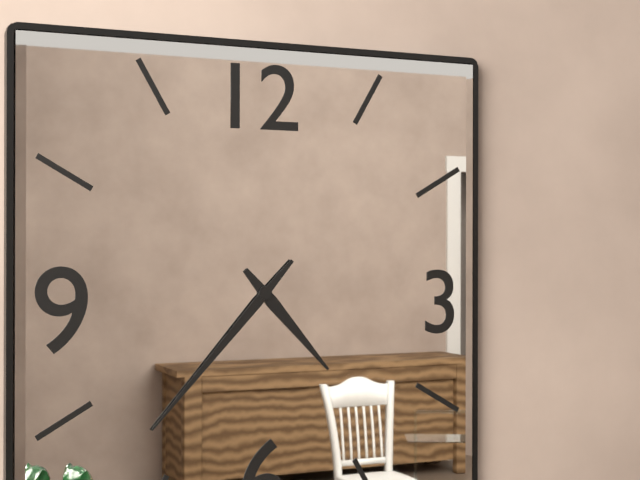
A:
4,37
